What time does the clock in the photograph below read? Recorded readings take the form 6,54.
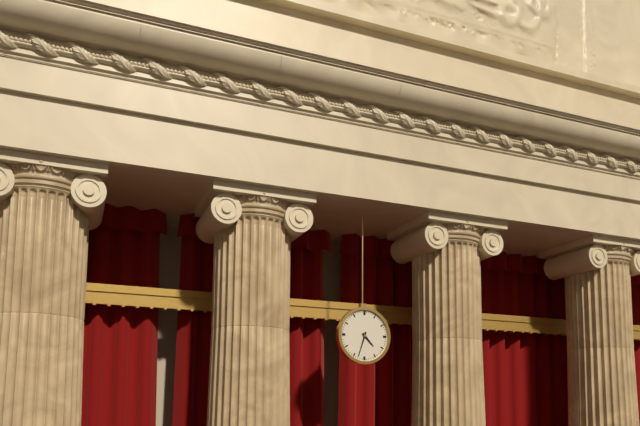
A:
4,33
